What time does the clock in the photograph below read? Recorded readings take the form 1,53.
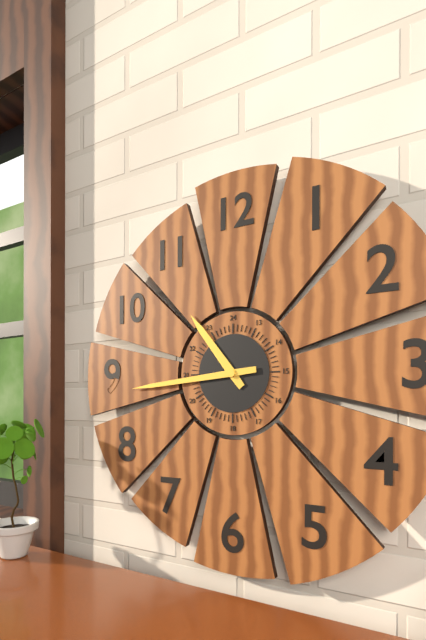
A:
10,44
